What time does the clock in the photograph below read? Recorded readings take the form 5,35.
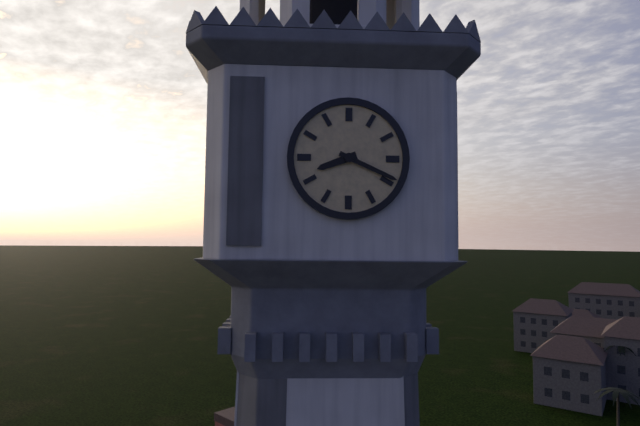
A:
8,19
